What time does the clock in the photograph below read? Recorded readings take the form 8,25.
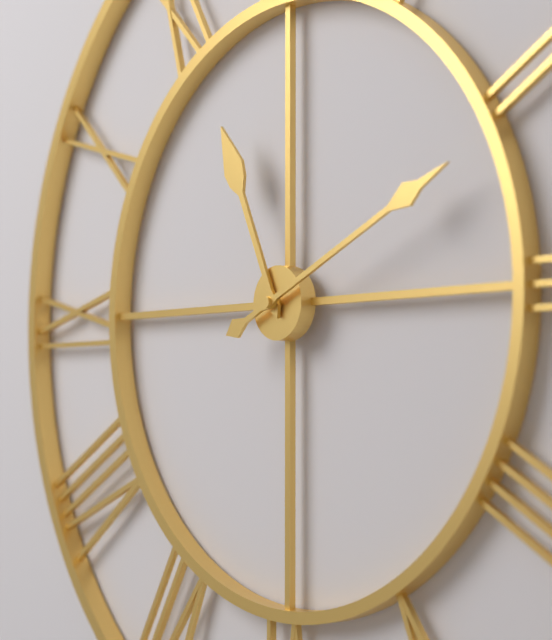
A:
11,11
